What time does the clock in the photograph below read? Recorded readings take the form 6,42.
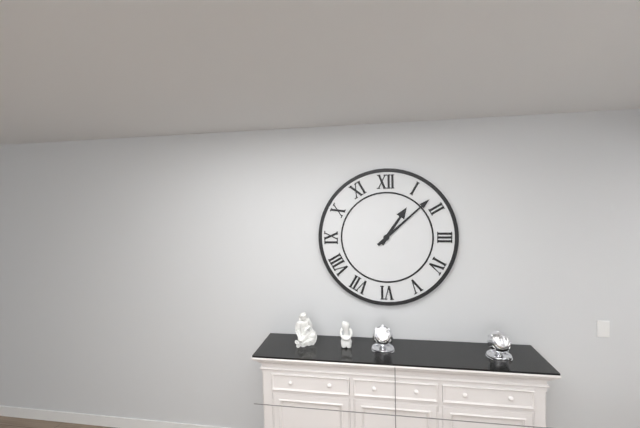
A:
1,08
